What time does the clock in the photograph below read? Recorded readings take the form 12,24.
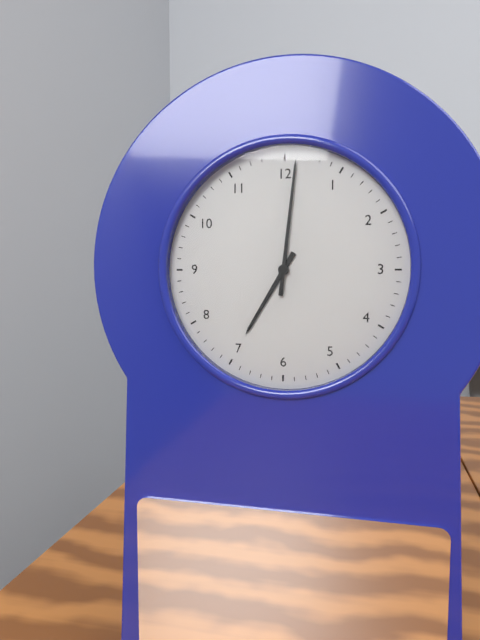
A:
7,01
